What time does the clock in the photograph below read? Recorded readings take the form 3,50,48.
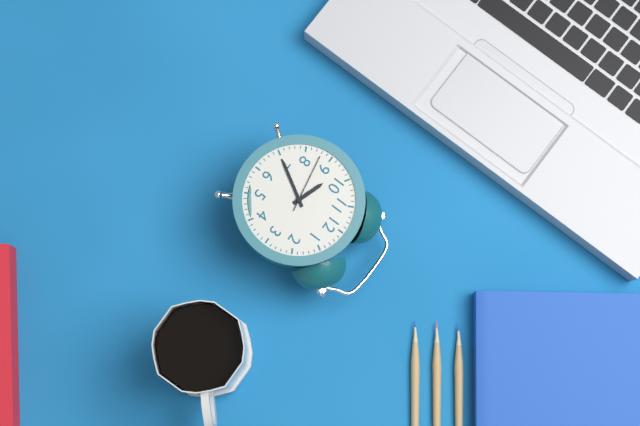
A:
9,35,43
